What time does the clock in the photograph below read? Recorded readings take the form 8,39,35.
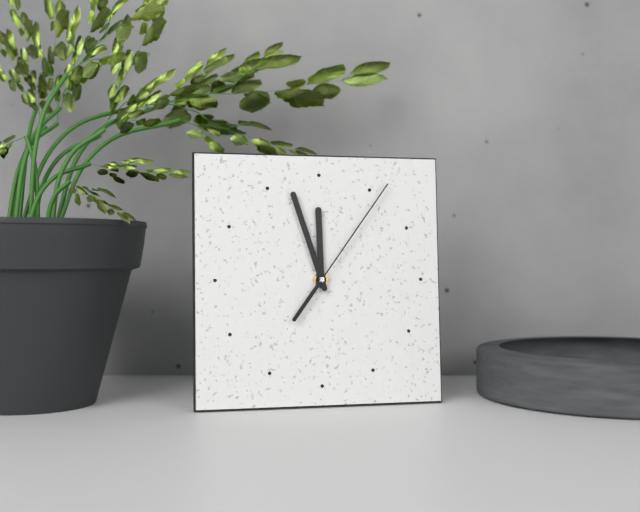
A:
11,57,06
